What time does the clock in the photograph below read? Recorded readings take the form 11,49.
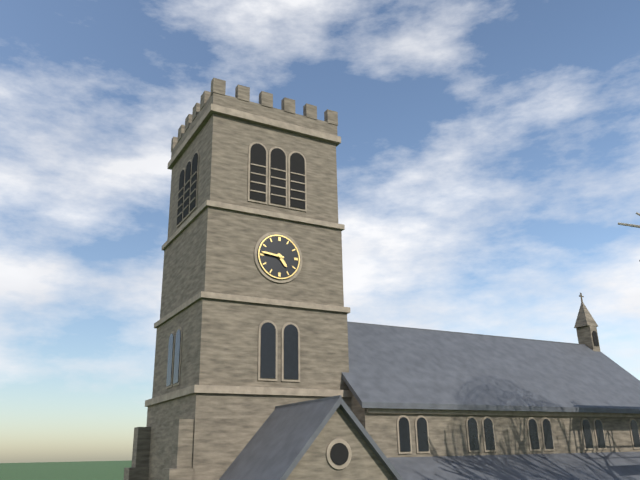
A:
4,46
